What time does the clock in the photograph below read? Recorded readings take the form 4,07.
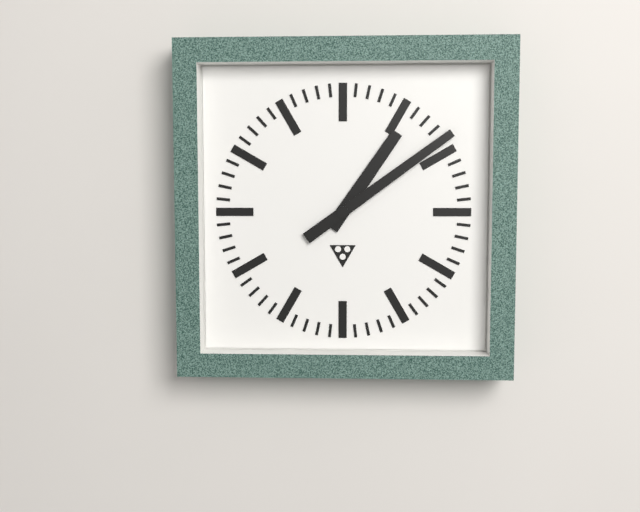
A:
1,09
